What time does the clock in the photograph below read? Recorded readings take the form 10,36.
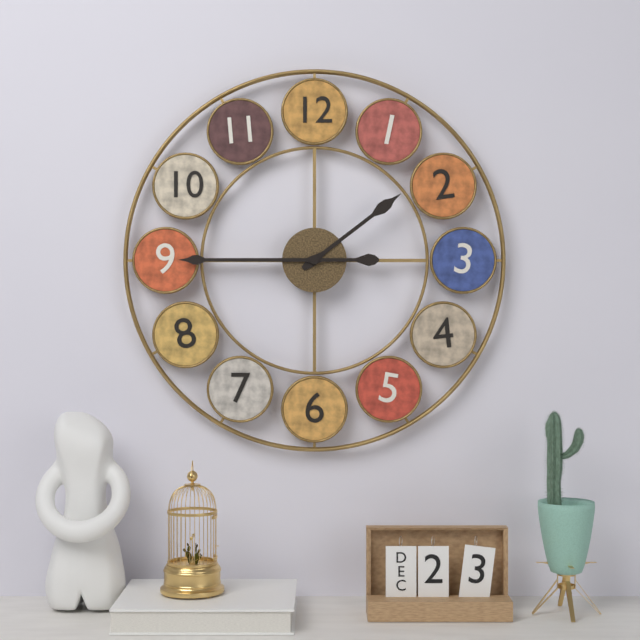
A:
1,45
